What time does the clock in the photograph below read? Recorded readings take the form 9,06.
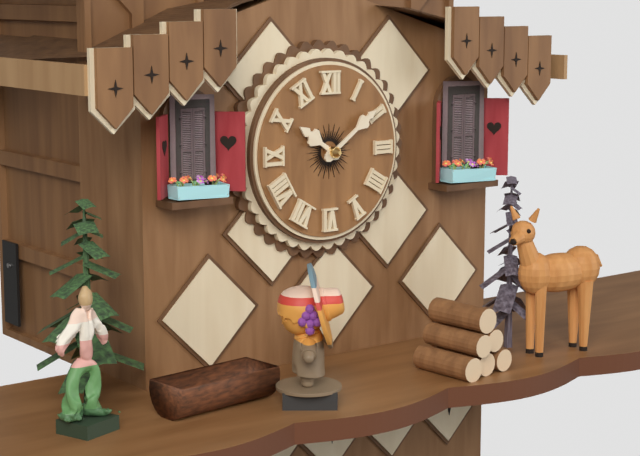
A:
10,09
